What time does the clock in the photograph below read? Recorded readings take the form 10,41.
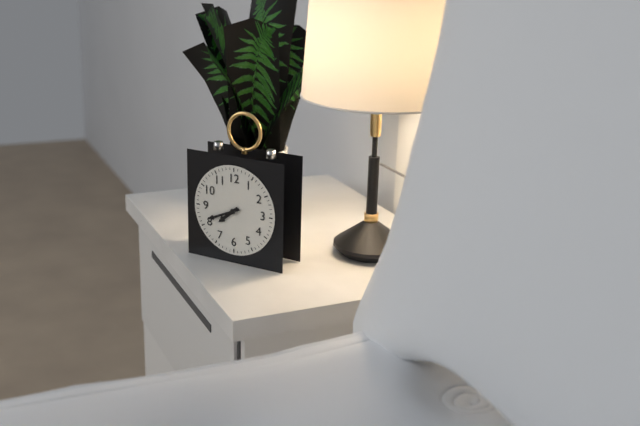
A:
7,41
